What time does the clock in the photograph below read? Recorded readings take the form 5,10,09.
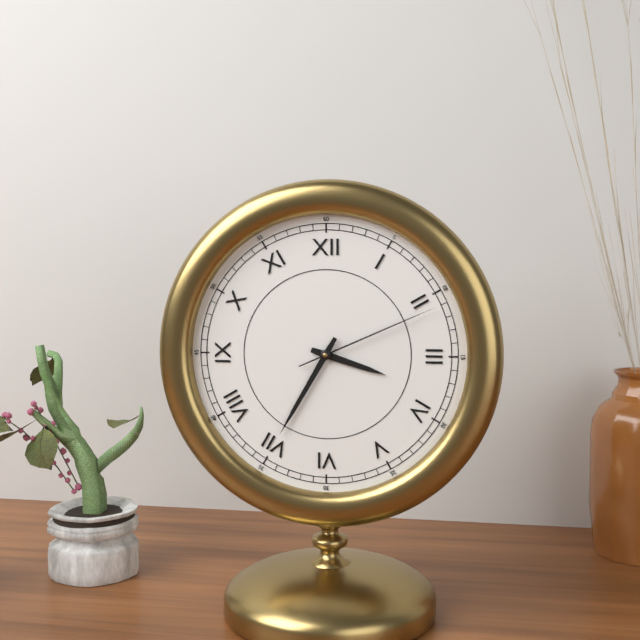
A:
3,35,11
